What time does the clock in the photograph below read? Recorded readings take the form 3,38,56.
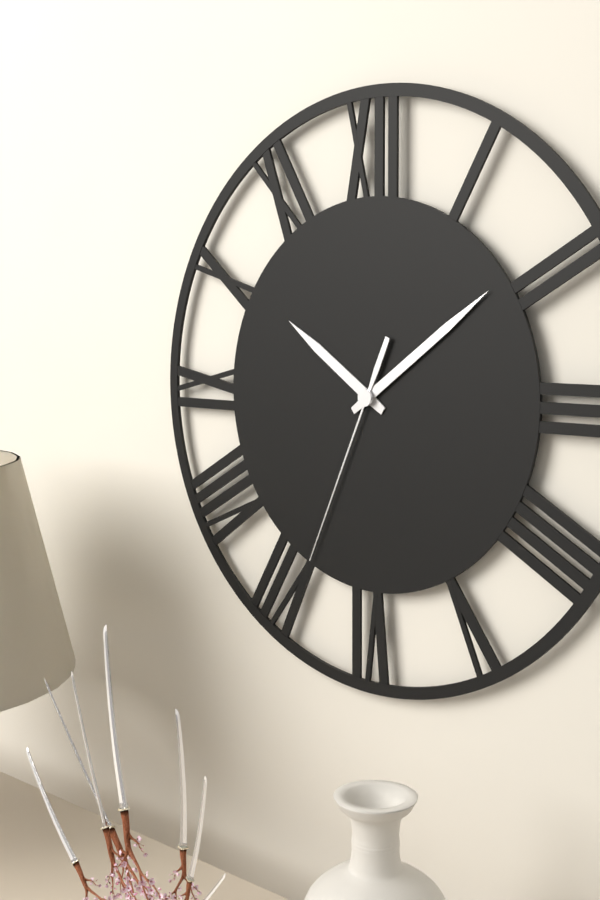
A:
10,09,34
